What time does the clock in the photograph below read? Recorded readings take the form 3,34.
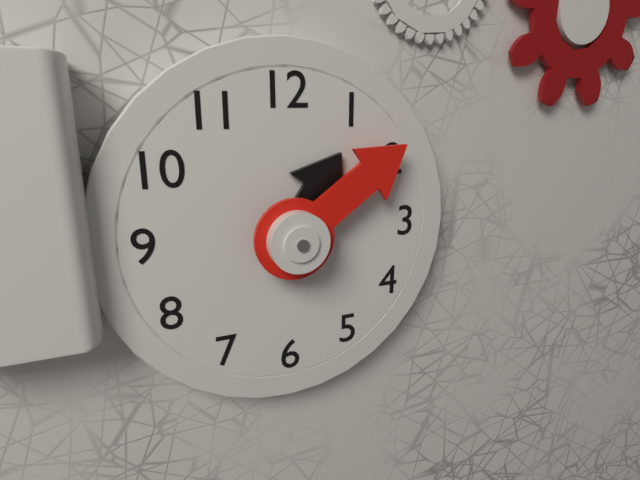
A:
1,09
